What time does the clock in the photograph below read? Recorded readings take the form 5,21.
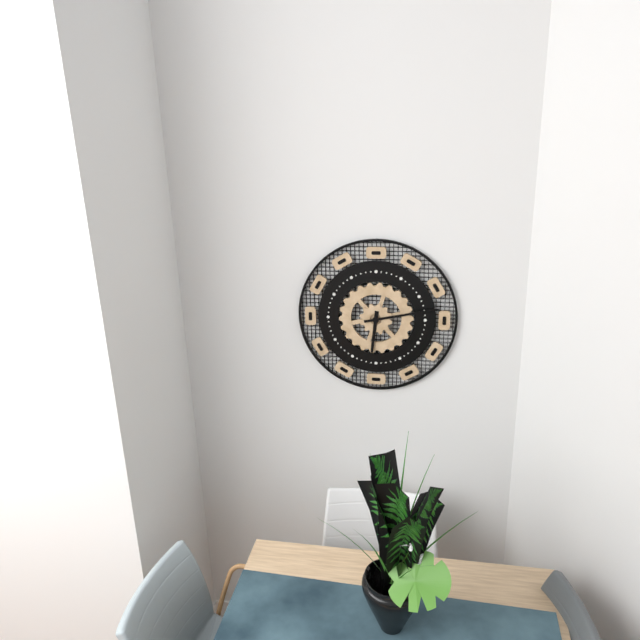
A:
6,13
